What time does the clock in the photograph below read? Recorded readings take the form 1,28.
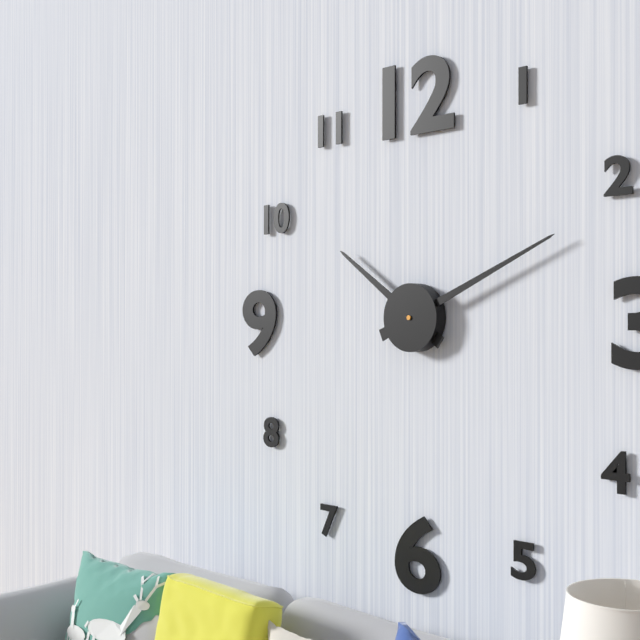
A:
10,11
